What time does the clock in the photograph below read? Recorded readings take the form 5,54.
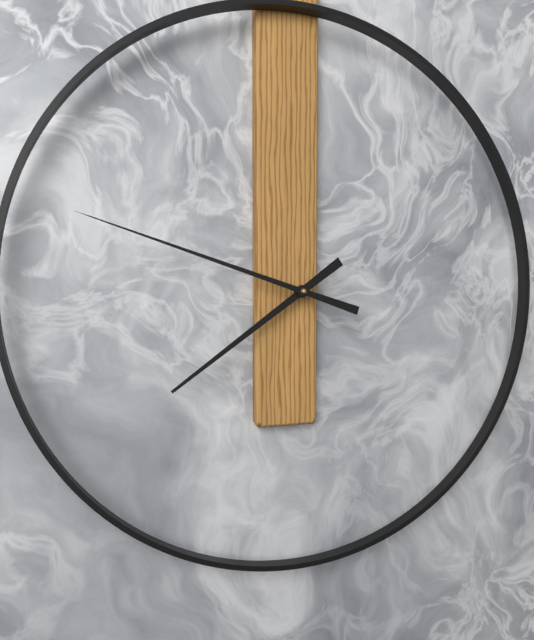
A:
7,48
